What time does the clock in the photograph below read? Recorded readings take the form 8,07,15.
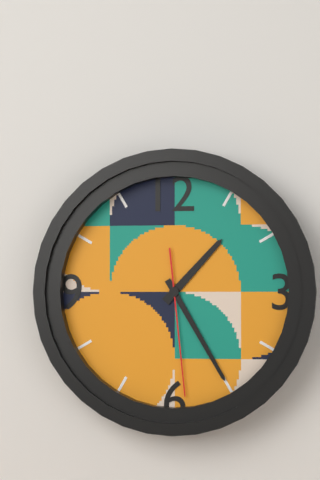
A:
1,25,29
